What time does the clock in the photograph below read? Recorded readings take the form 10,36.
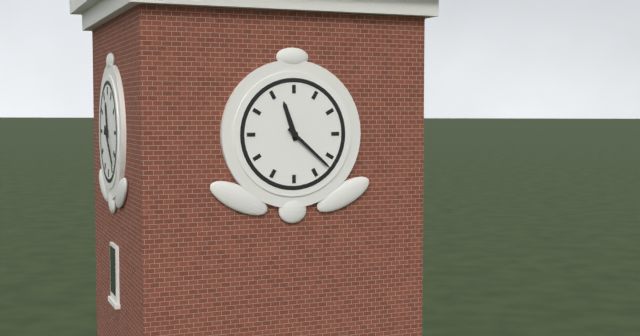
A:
11,22
